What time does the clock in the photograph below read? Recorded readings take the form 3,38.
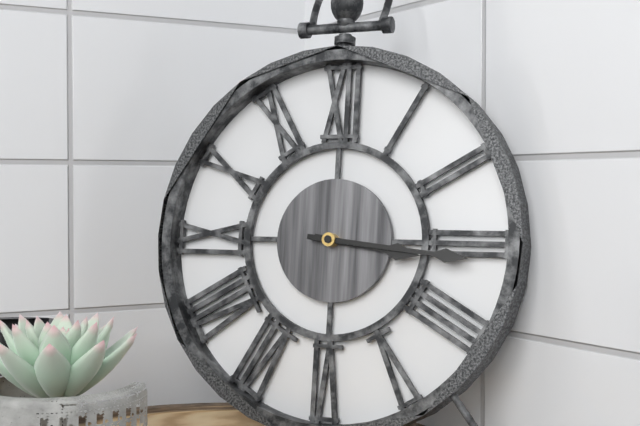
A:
3,16
